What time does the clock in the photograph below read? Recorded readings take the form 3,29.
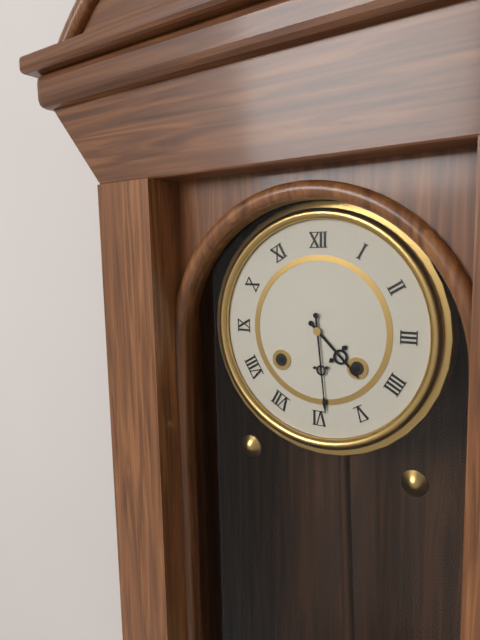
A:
4,29
